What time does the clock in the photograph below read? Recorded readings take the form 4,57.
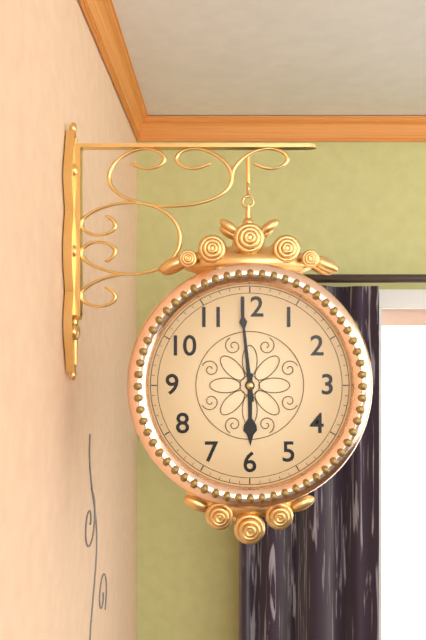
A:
5,59
